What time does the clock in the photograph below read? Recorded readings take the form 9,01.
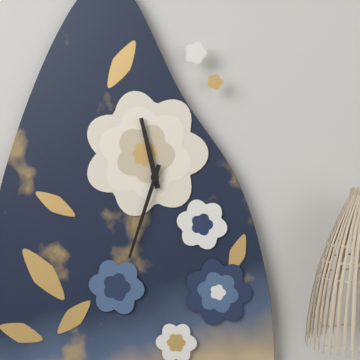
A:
11,33
